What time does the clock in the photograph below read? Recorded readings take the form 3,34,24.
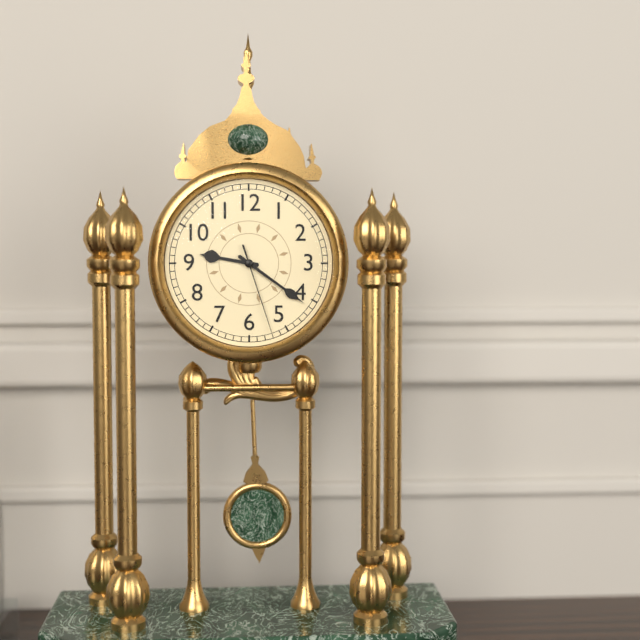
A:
9,21,27
